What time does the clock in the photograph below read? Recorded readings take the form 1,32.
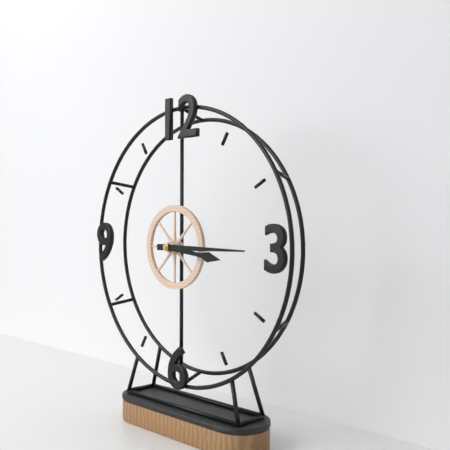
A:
3,15
